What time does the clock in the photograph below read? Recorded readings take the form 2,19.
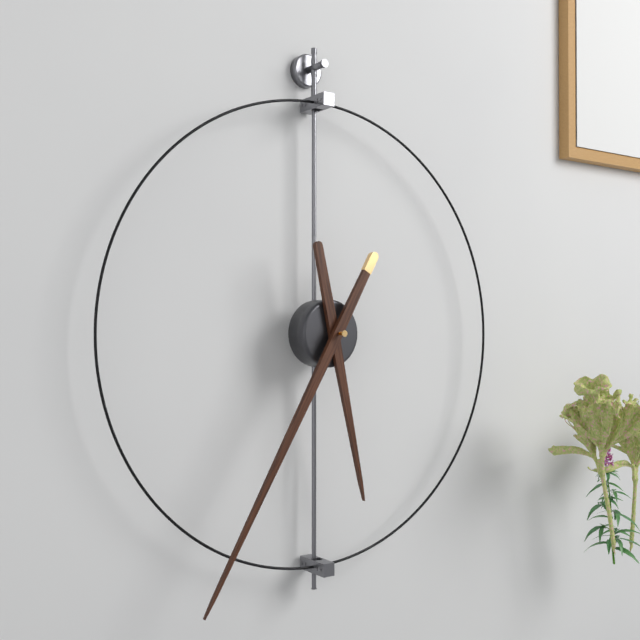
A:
5,35
